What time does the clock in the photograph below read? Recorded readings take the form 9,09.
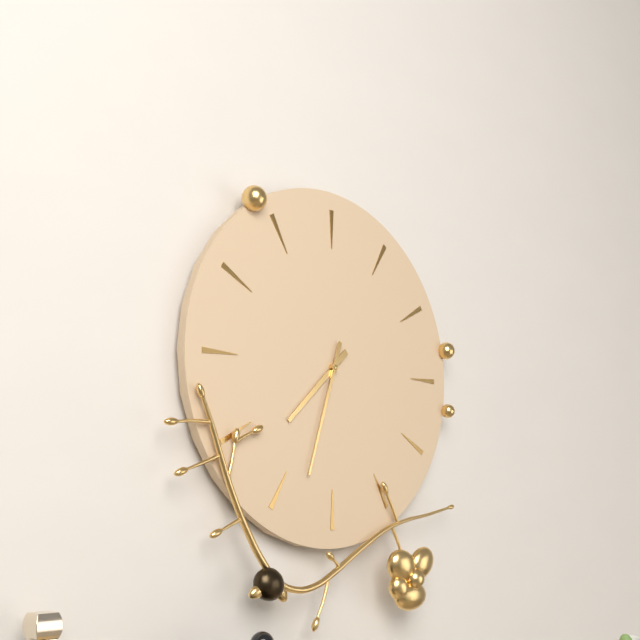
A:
7,33
